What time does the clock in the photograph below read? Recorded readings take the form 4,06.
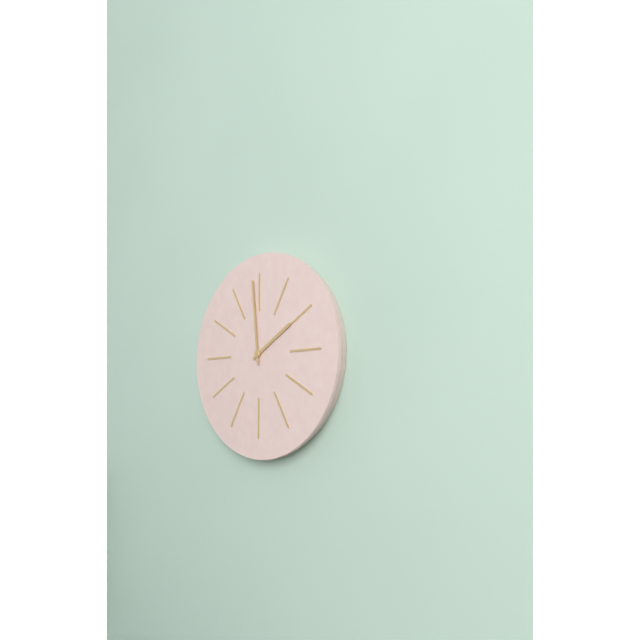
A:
1,59
